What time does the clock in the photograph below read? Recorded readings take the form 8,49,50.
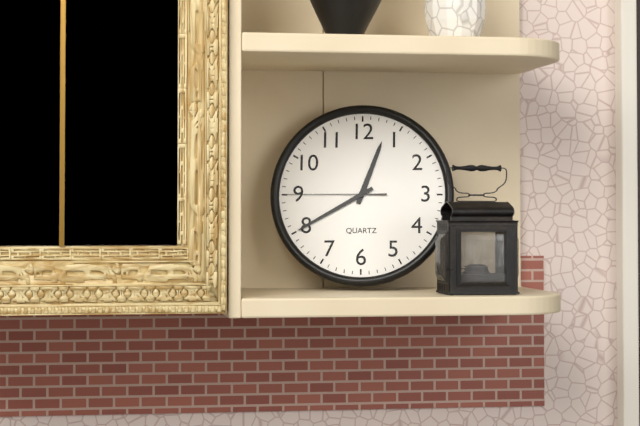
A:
12,40,45
